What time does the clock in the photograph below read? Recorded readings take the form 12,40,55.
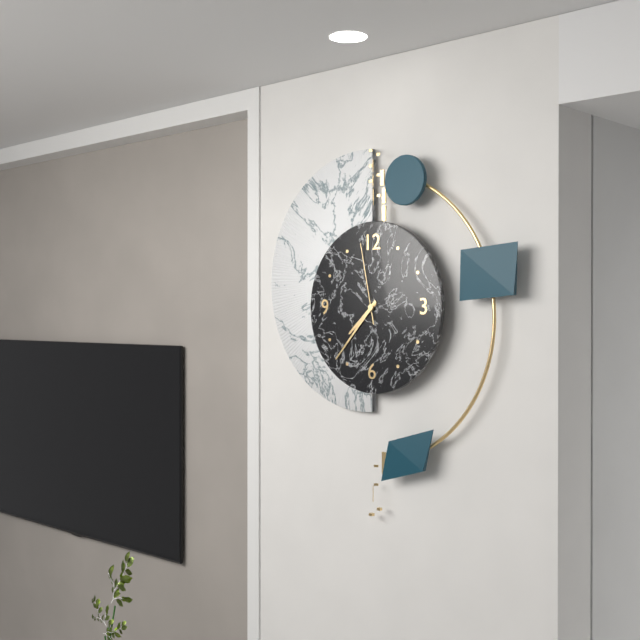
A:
7,37,58
